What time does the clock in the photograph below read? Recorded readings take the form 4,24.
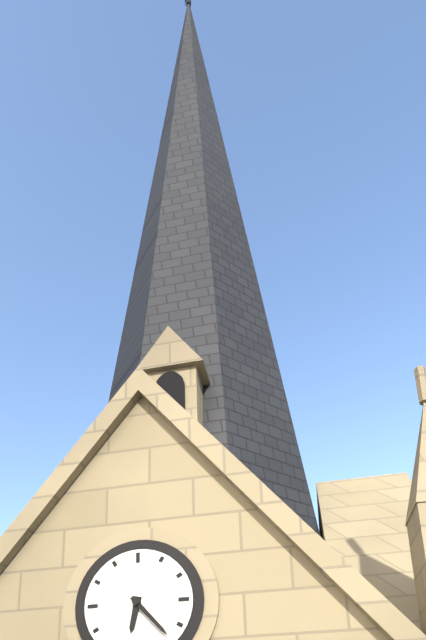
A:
6,23
